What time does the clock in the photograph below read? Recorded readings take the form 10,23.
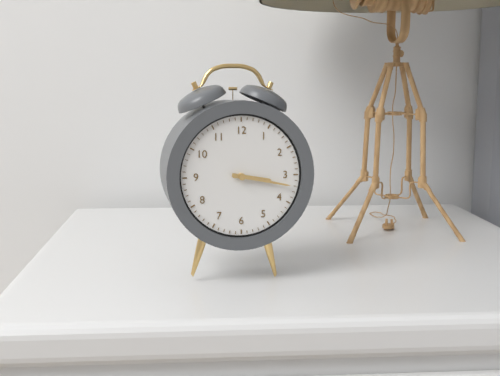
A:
3,17
